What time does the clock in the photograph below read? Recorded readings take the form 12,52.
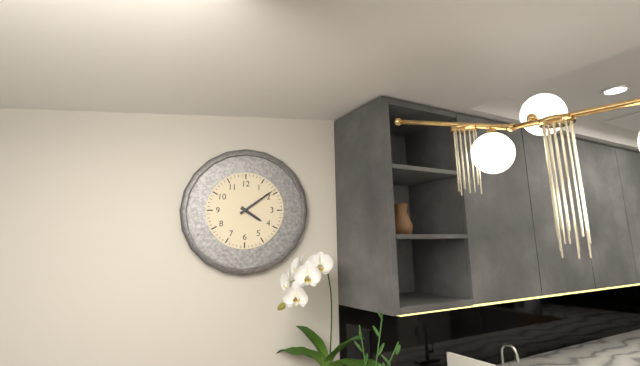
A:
4,09
